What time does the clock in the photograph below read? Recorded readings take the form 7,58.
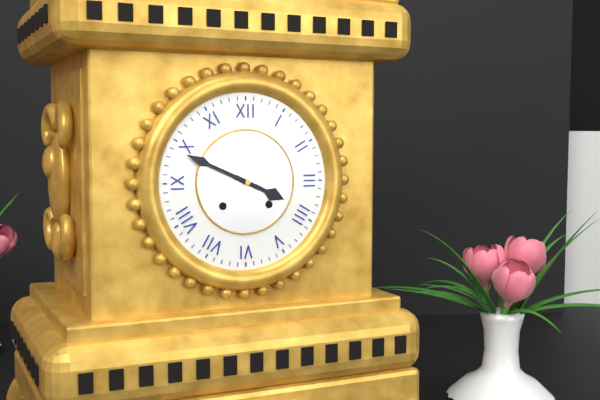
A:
3,49
